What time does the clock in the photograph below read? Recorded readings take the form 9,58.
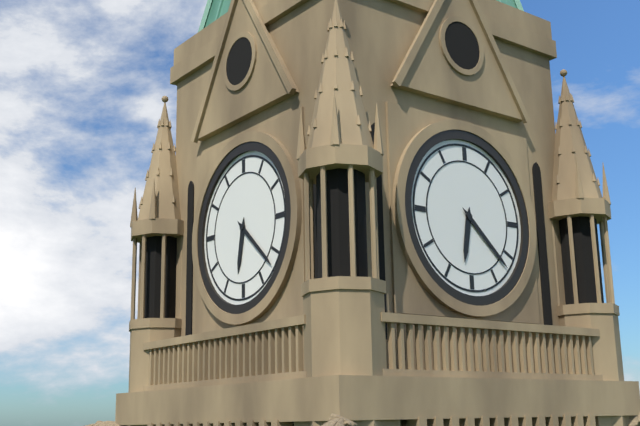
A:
6,22
